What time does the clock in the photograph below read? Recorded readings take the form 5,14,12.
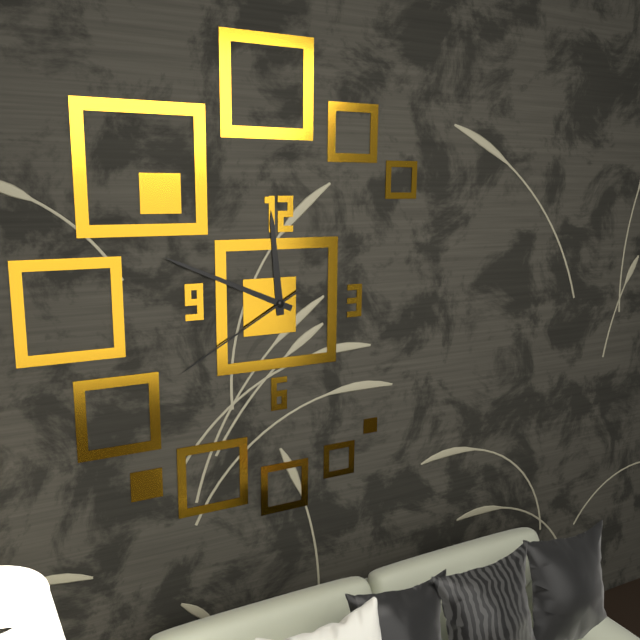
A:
11,49,40
